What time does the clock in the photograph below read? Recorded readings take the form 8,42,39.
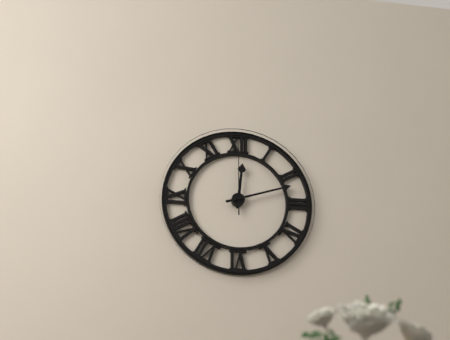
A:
12,12,00
